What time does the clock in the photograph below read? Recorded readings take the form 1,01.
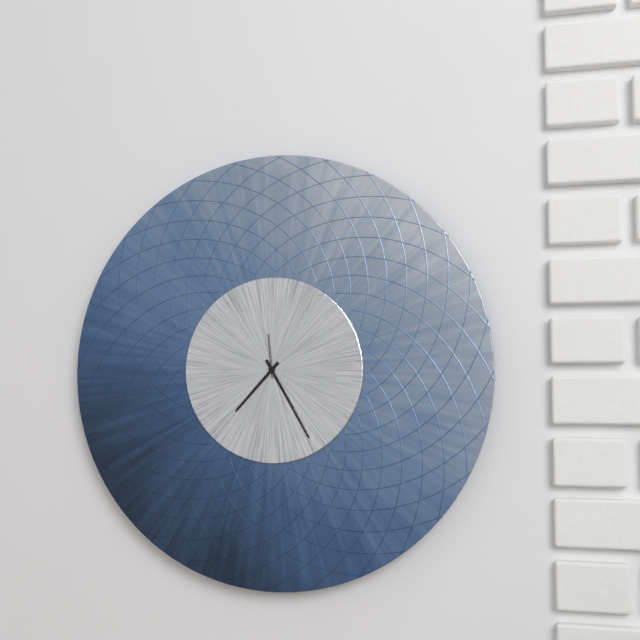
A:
7,25
